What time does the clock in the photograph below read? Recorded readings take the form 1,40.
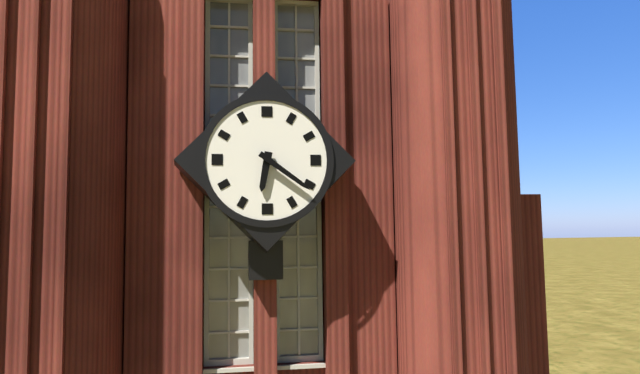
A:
6,21
